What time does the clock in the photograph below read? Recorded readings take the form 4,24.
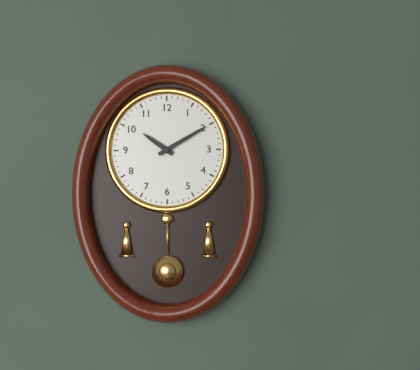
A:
10,10
